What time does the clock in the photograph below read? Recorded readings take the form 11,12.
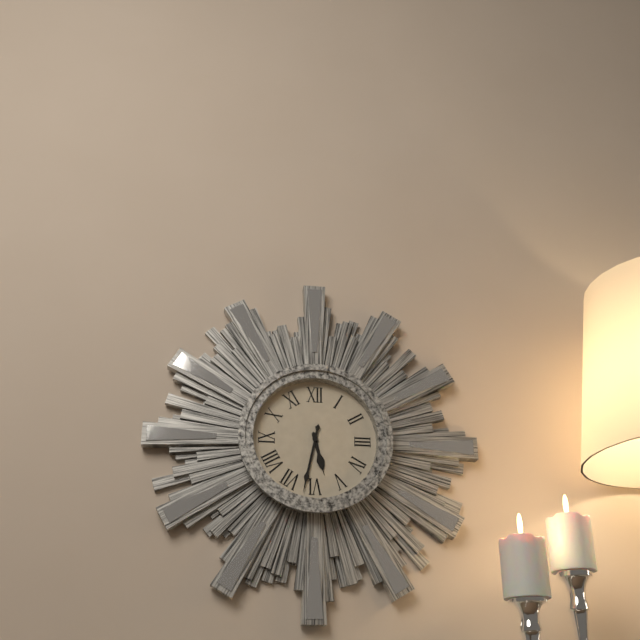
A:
5,32
